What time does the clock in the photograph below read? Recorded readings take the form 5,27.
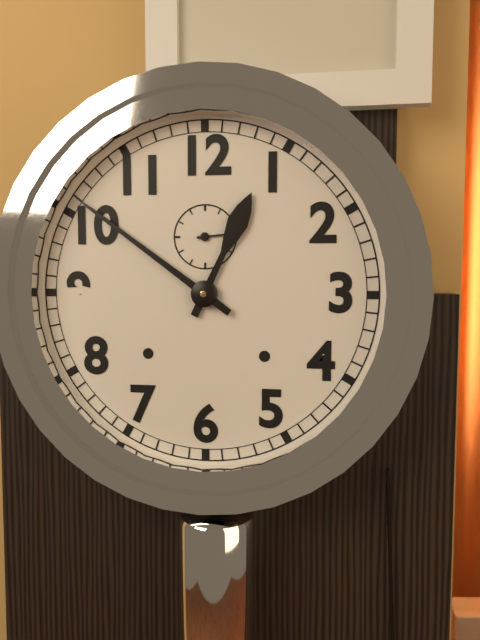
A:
12,51
